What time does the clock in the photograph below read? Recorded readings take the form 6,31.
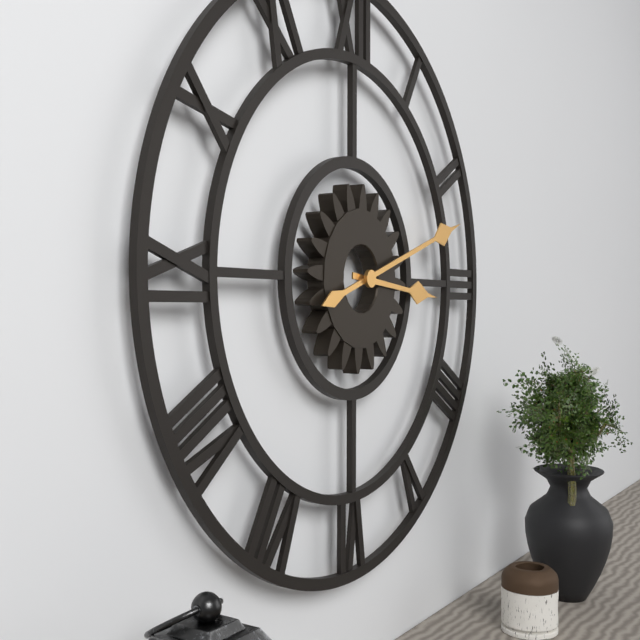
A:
3,12
